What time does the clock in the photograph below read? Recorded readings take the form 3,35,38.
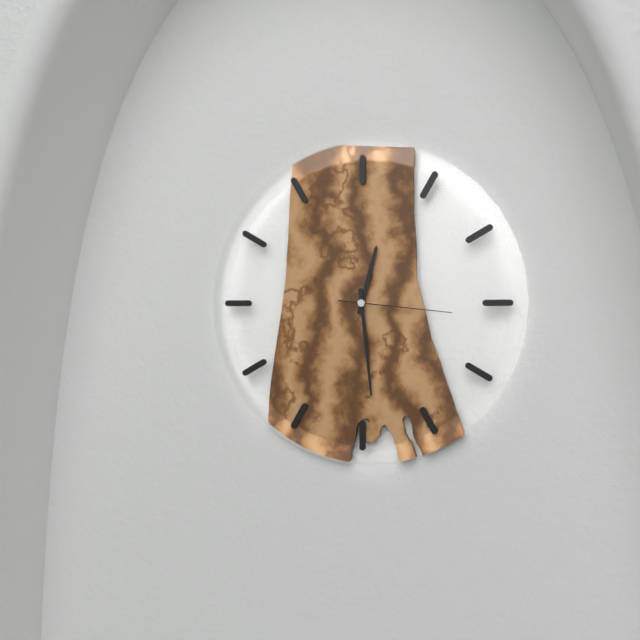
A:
12,29,16
